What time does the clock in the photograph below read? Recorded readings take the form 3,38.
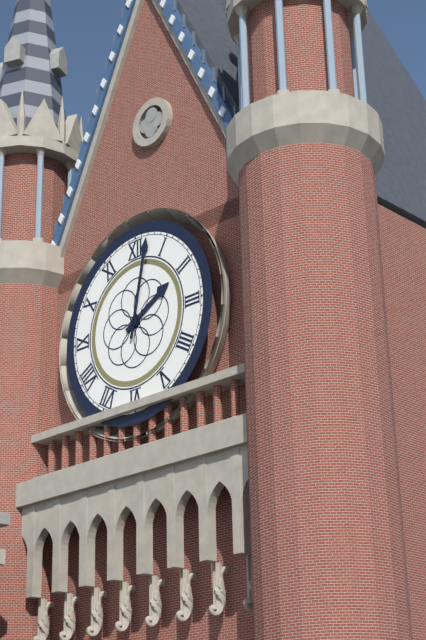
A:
2,02
